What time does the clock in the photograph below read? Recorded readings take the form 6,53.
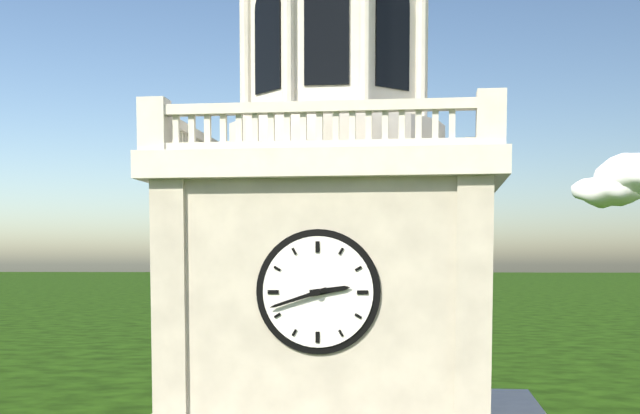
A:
2,42
